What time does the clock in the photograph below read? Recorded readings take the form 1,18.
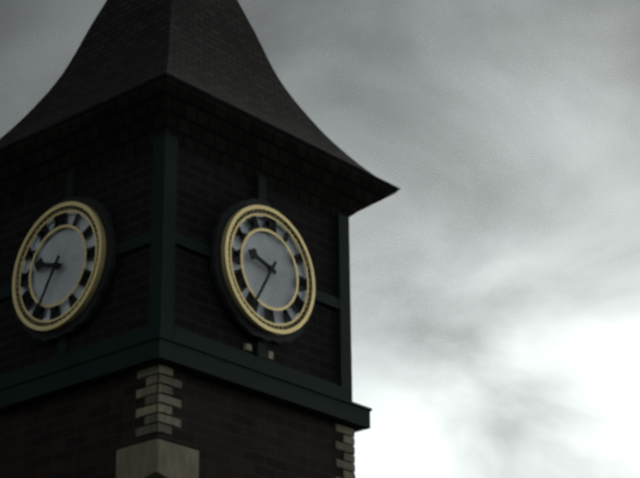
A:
9,35
